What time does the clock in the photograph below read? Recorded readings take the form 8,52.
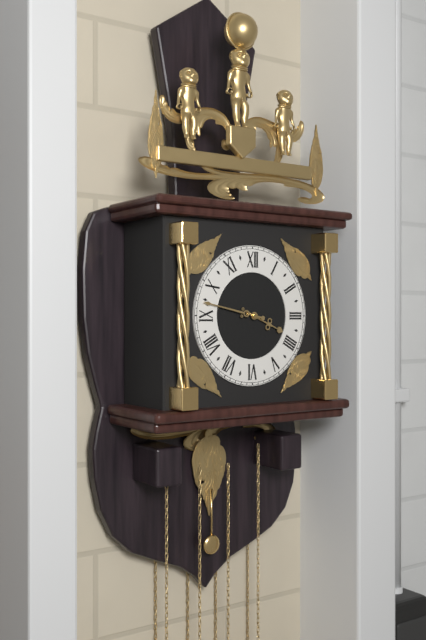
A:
3,47
